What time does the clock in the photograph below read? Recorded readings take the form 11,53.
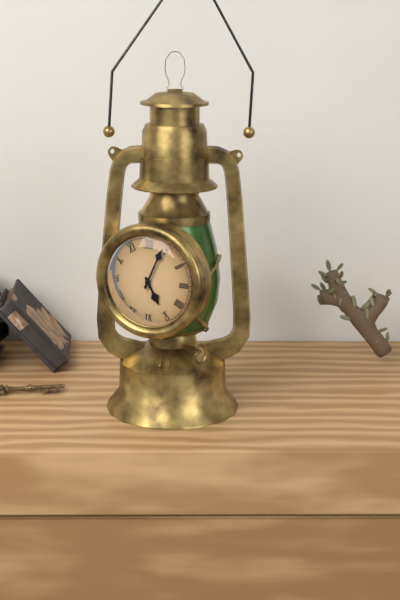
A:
5,04
